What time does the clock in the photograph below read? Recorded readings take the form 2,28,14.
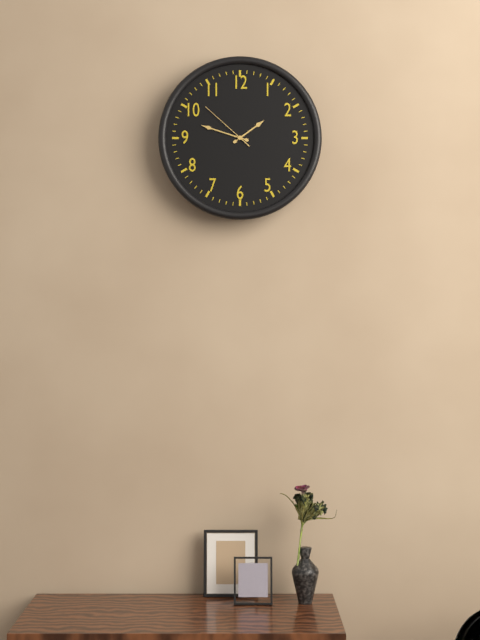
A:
1,48,52
